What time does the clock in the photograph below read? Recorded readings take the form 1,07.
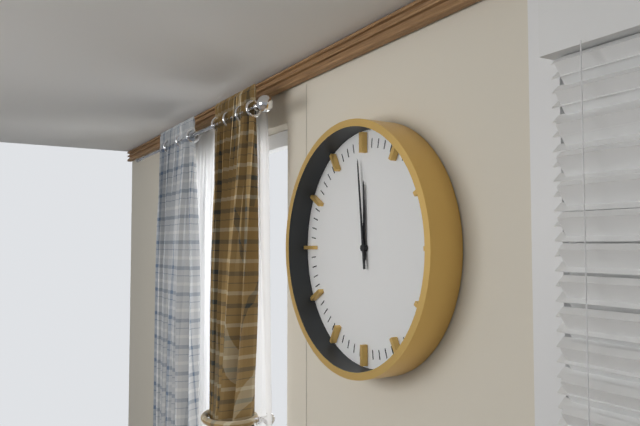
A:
11,59
